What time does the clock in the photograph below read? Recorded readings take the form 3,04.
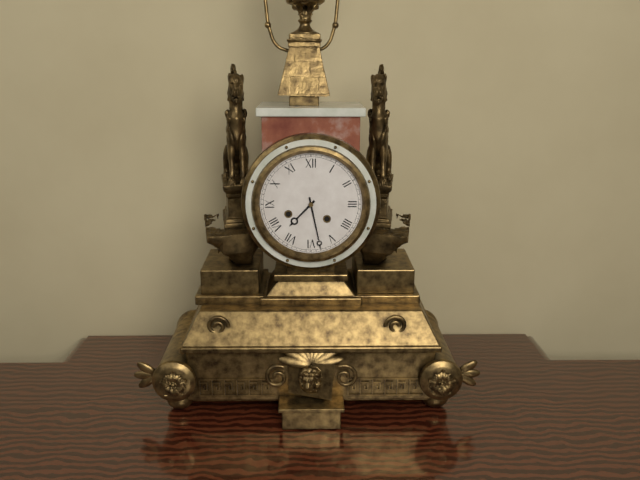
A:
7,28
